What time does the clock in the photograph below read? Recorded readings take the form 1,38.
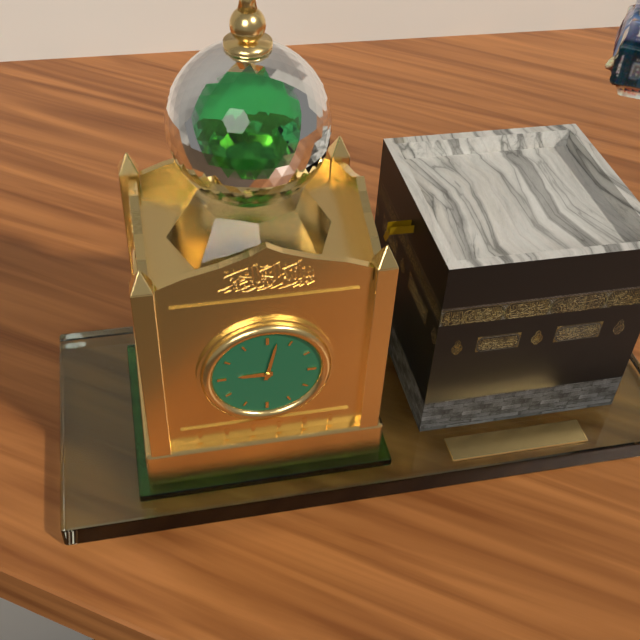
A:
9,02
